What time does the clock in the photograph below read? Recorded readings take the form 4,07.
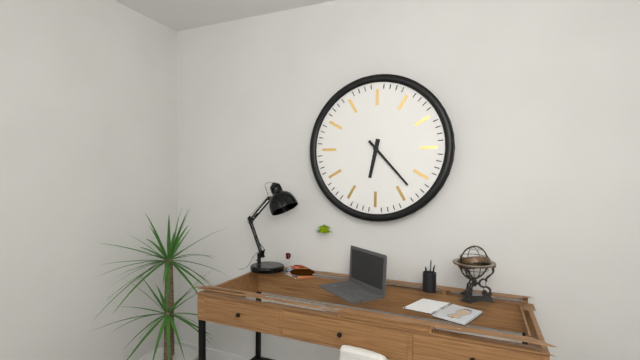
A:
6,23
